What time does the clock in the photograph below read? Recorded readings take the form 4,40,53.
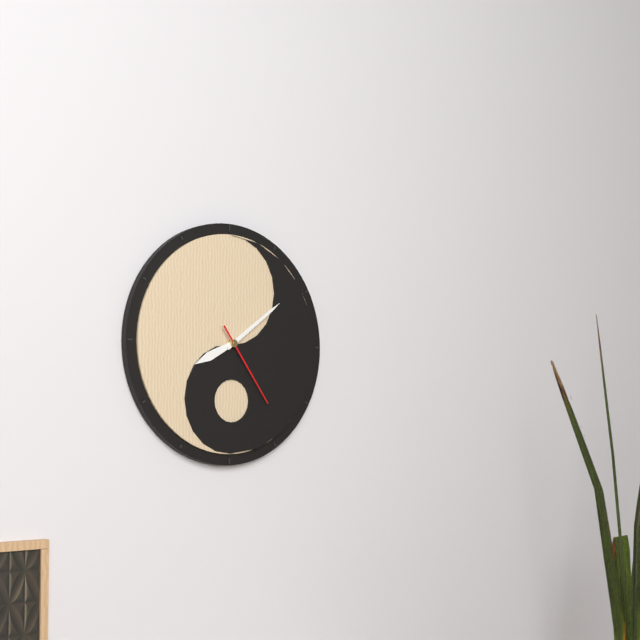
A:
8,09,24
